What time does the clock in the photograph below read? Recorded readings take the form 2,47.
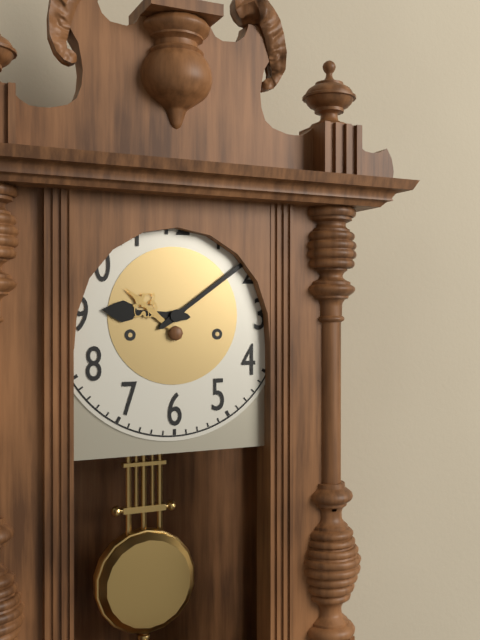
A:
9,09
